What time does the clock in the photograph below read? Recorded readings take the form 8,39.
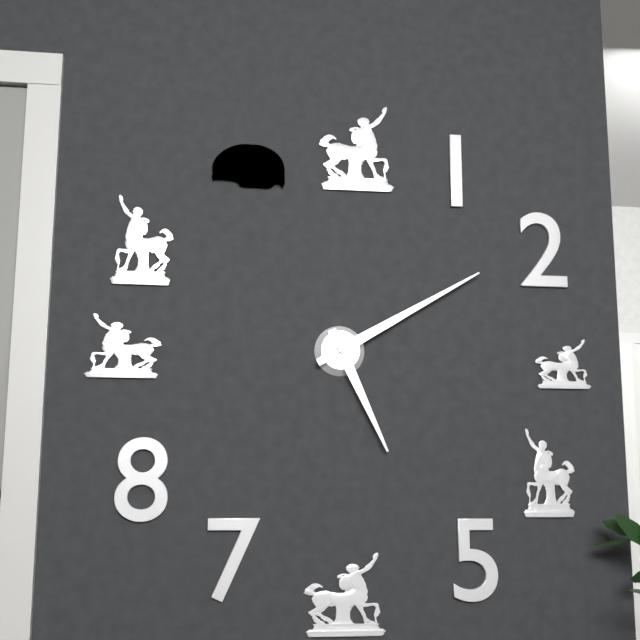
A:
5,10
